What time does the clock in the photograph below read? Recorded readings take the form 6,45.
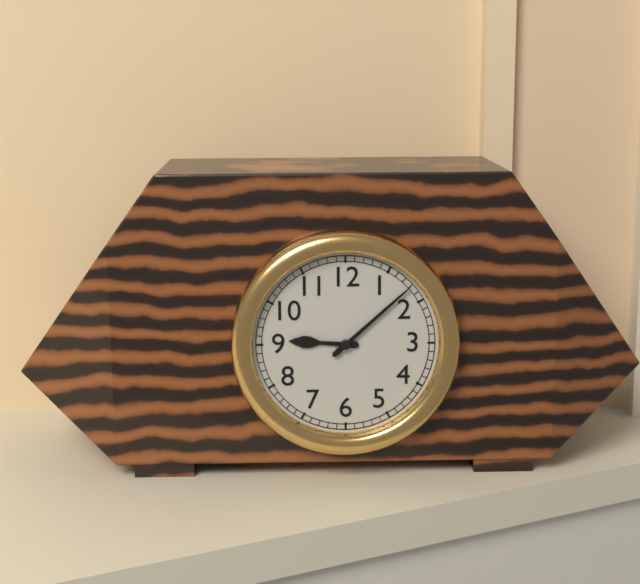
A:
9,08
